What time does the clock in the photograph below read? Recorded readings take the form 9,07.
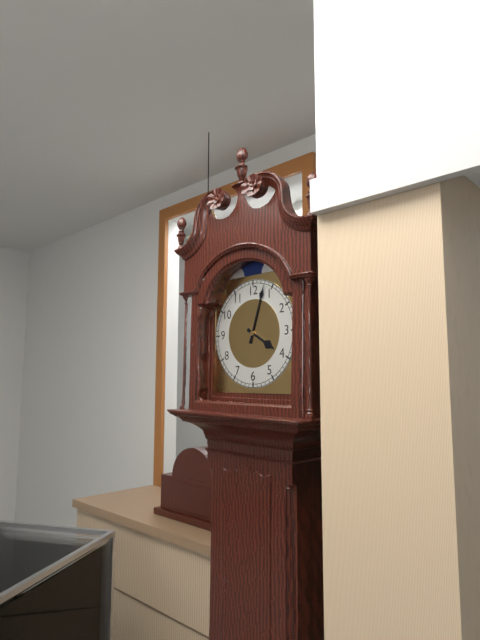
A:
4,03
